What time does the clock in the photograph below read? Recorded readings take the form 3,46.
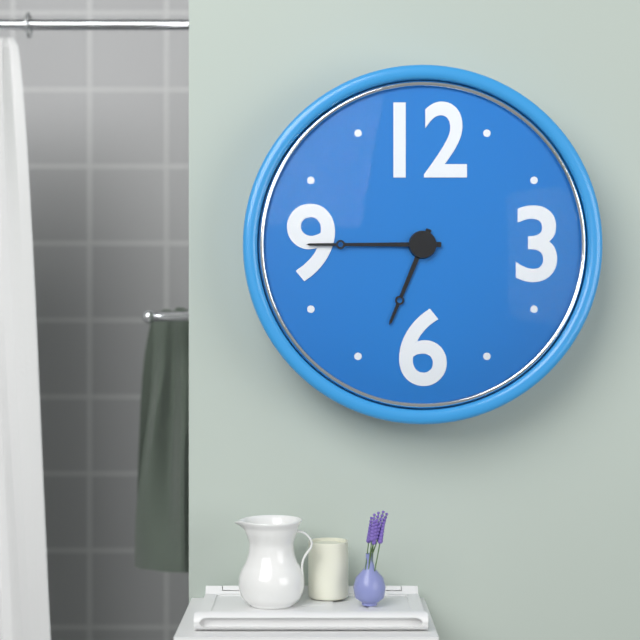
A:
6,45
